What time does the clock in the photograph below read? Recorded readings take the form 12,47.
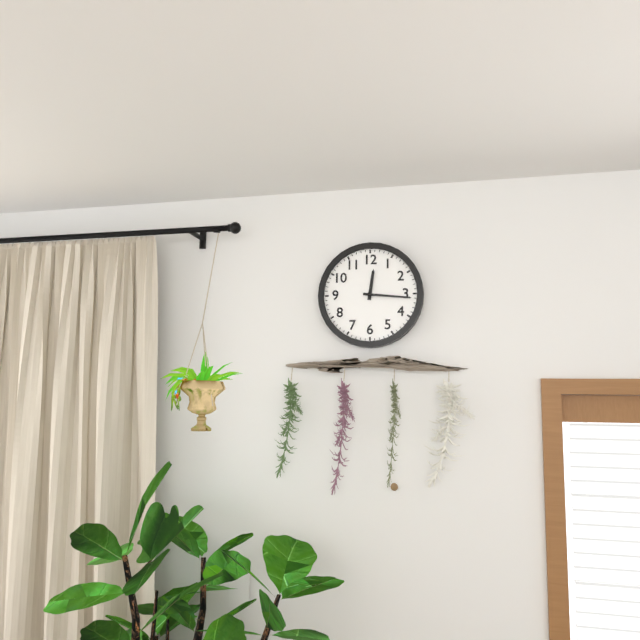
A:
12,16
